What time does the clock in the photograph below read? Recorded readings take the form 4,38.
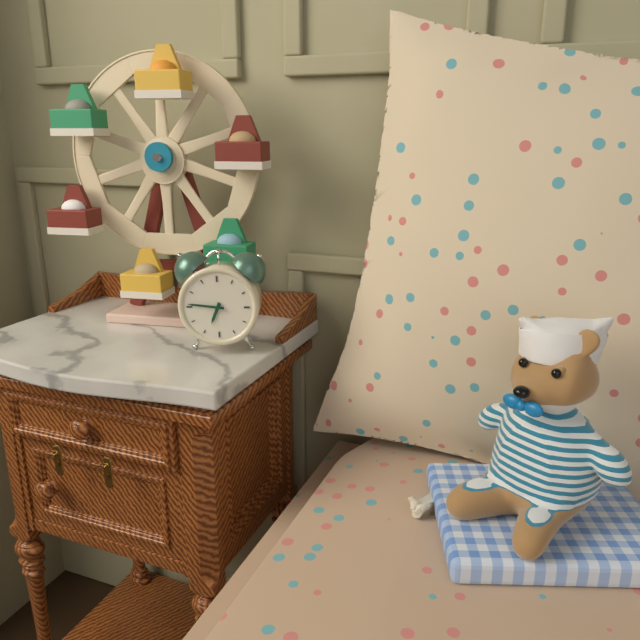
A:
6,46
